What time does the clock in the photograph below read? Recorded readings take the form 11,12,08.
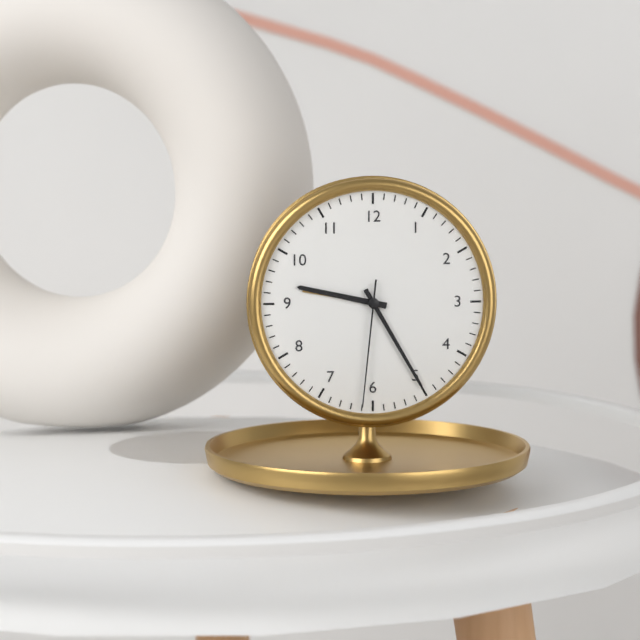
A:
9,25,31
